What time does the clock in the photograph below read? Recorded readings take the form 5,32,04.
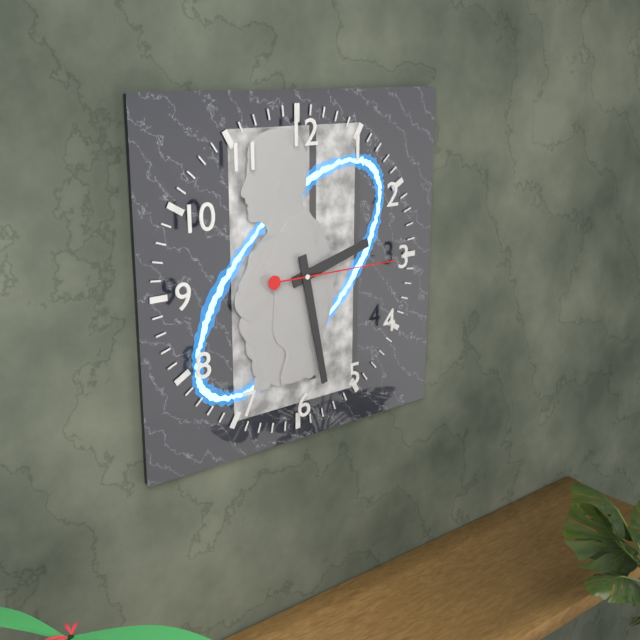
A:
2,28,15
